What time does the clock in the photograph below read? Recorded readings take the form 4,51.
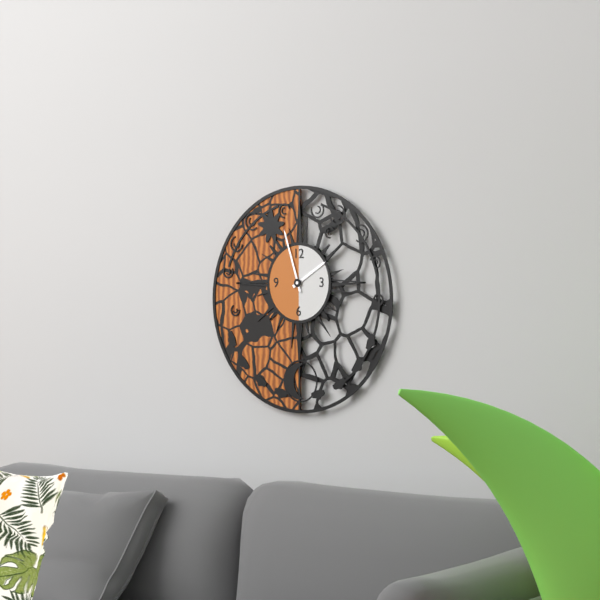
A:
1,57
